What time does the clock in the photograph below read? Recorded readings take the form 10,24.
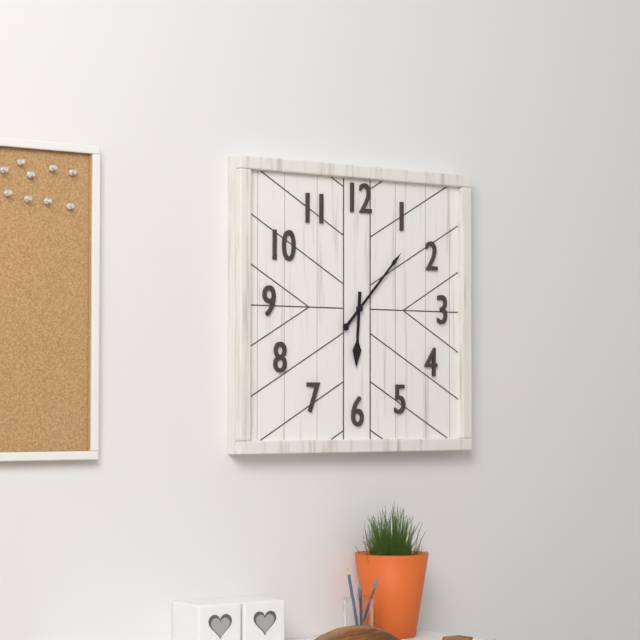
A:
6,07
